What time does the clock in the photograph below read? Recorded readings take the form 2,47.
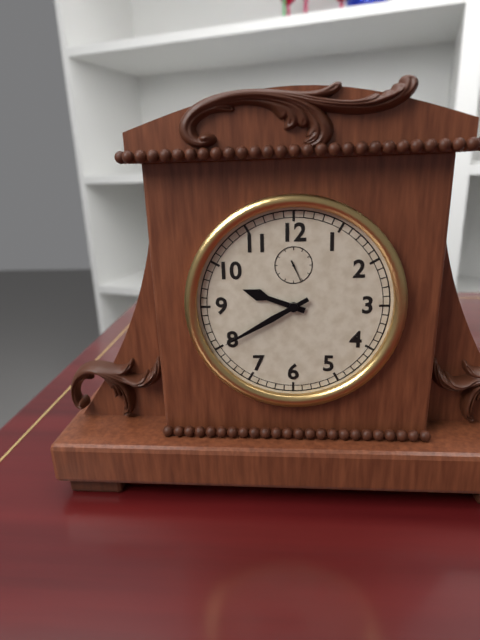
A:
9,40
